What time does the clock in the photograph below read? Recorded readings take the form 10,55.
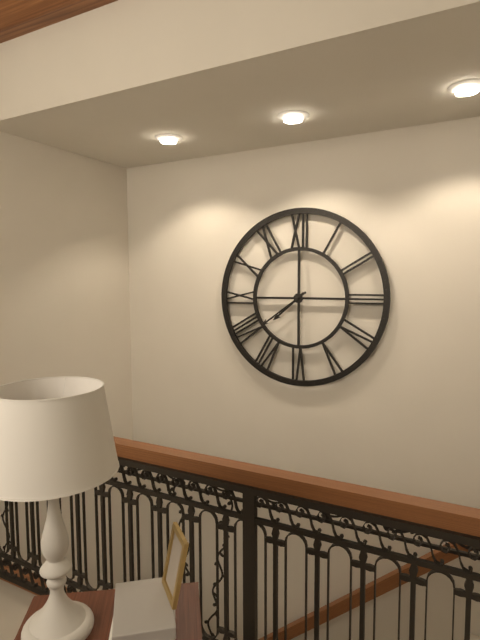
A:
7,39
